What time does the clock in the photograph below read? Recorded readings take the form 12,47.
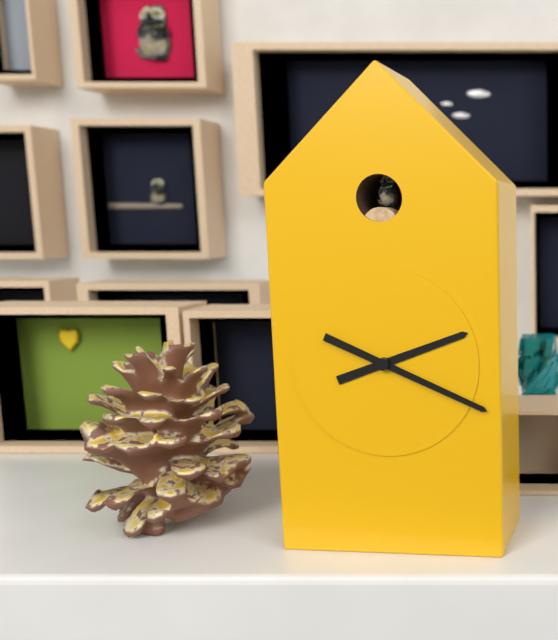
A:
2,19
